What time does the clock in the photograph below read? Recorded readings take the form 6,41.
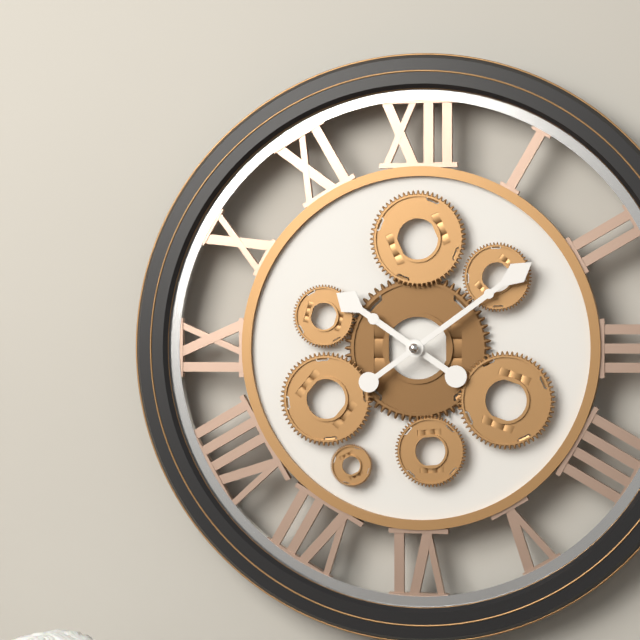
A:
10,09
